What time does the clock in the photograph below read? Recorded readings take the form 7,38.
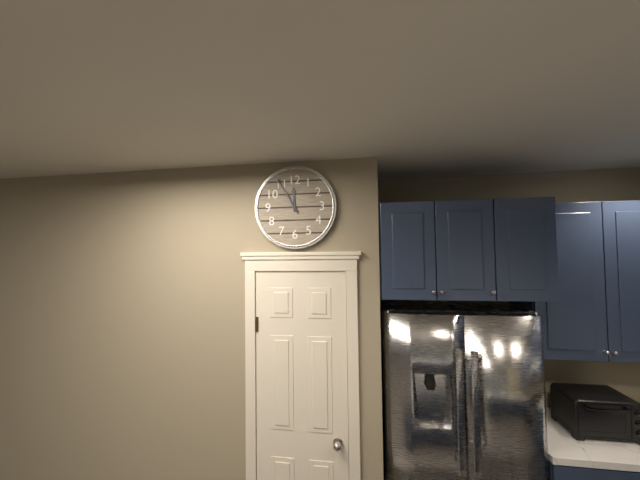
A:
11,55
